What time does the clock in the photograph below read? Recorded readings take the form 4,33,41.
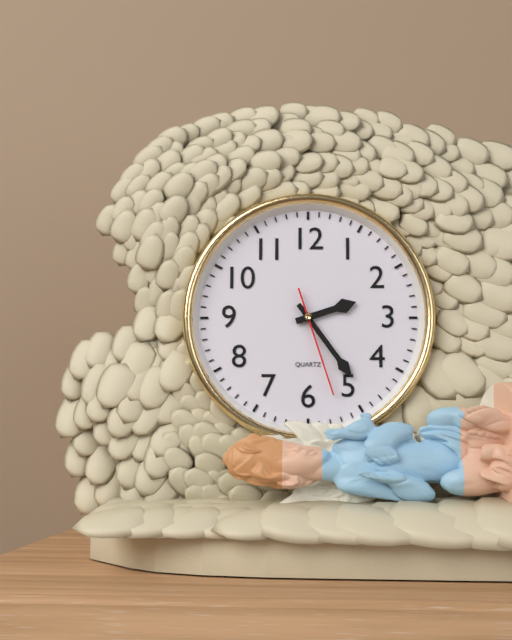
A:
2,24,27
